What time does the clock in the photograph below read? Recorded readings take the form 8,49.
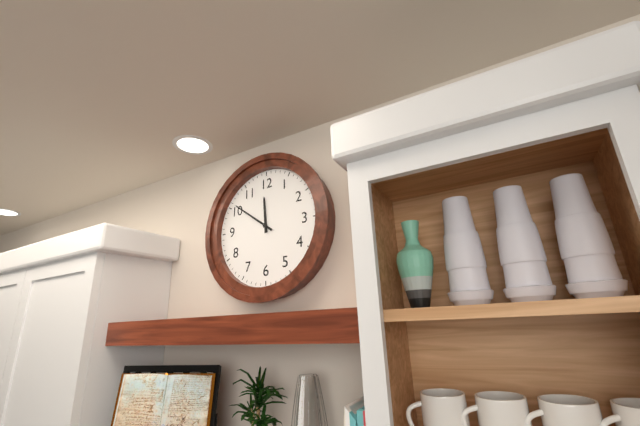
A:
11,51
